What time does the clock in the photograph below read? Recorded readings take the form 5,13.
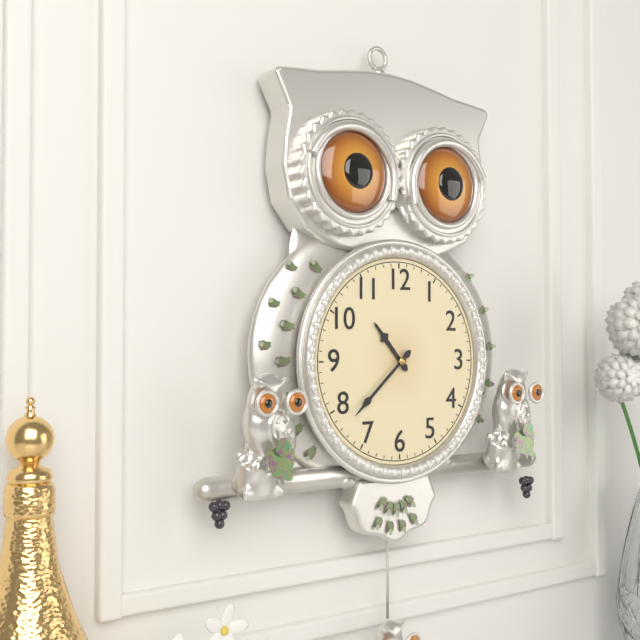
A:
10,38
